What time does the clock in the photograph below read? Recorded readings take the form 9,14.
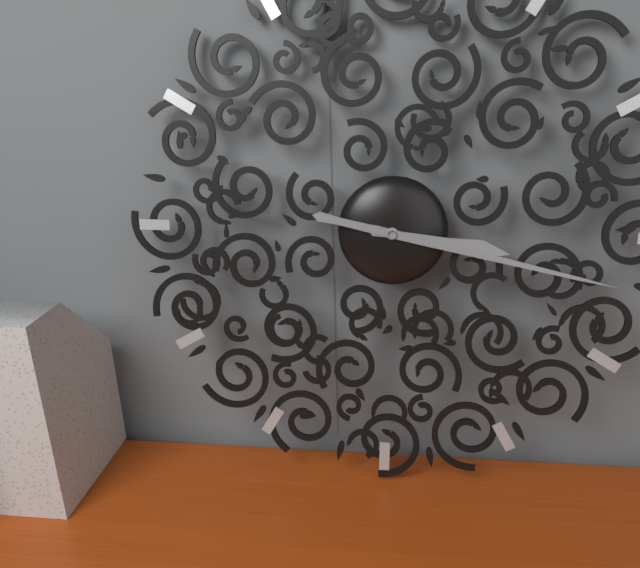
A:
3,17
